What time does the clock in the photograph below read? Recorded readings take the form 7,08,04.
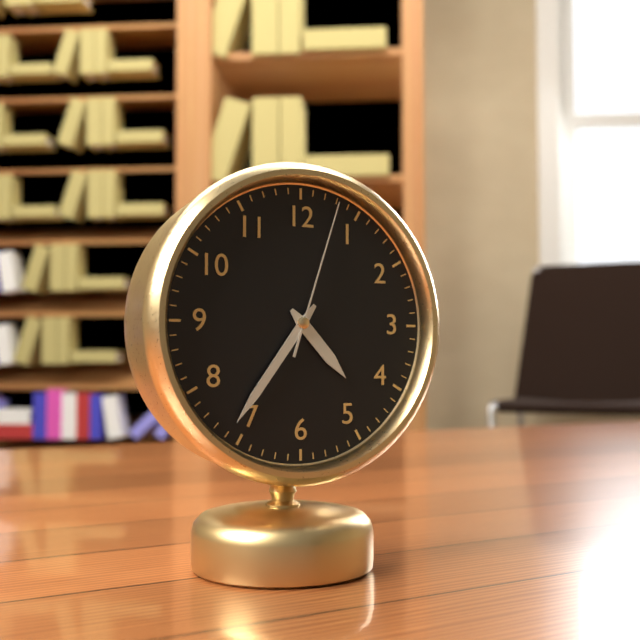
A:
4,36,03
